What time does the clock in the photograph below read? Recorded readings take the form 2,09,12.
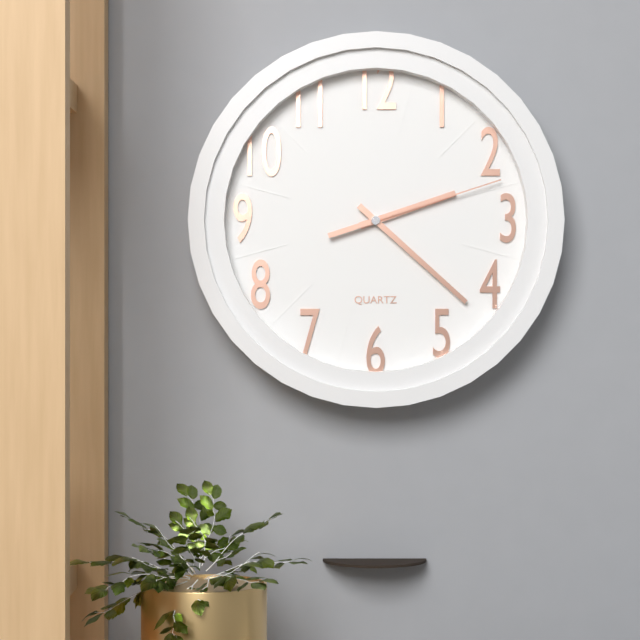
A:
2,22,12
